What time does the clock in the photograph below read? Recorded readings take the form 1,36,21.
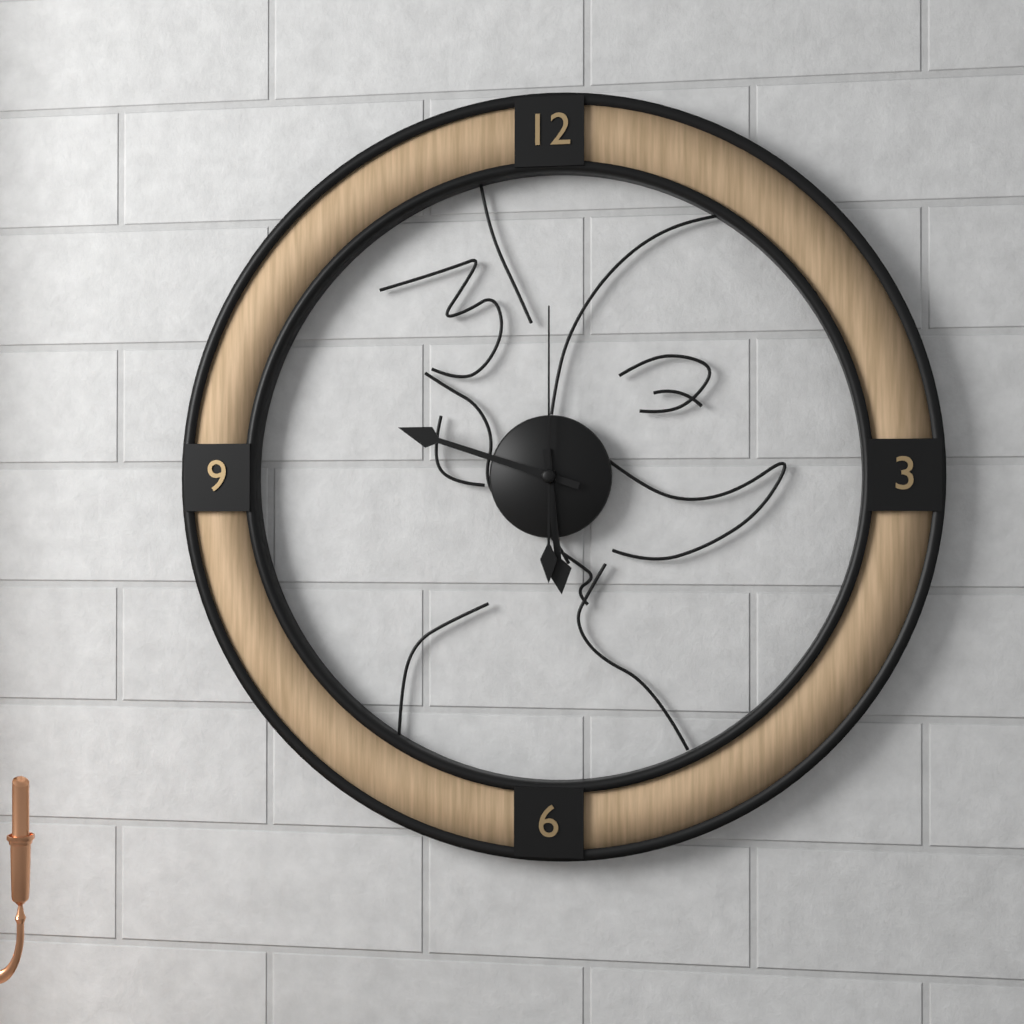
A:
5,48,00
